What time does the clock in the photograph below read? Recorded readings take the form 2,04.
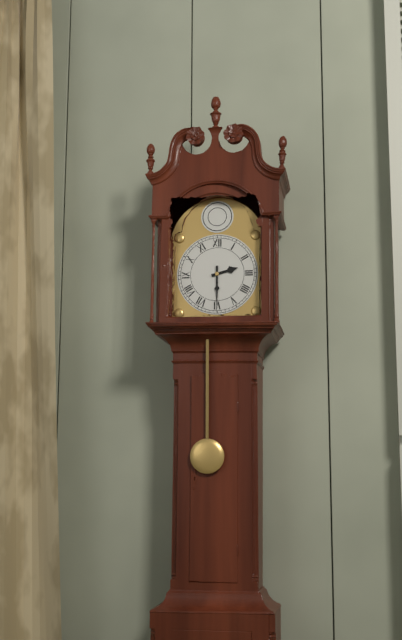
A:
2,30
